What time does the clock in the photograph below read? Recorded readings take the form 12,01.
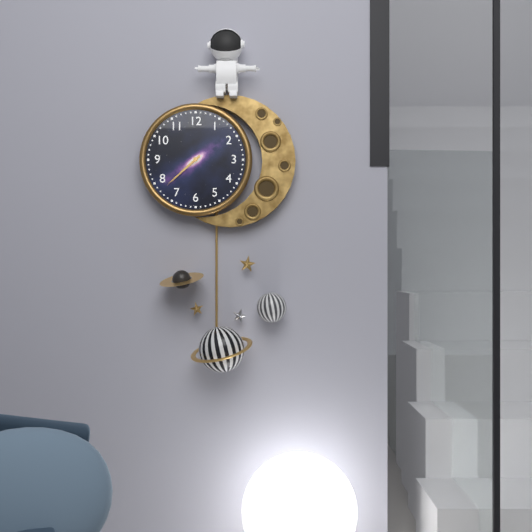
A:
7,38
